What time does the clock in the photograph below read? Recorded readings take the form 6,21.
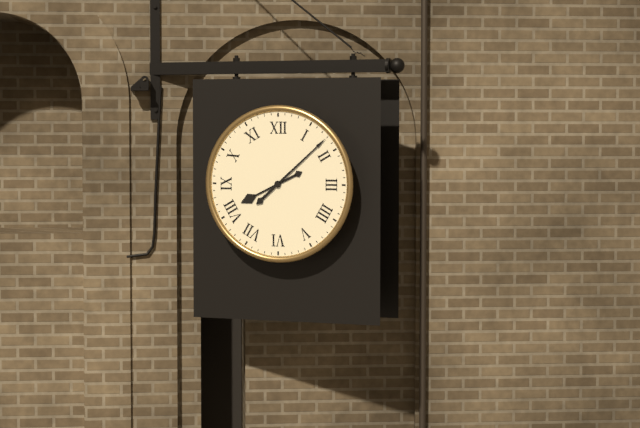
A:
8,08
